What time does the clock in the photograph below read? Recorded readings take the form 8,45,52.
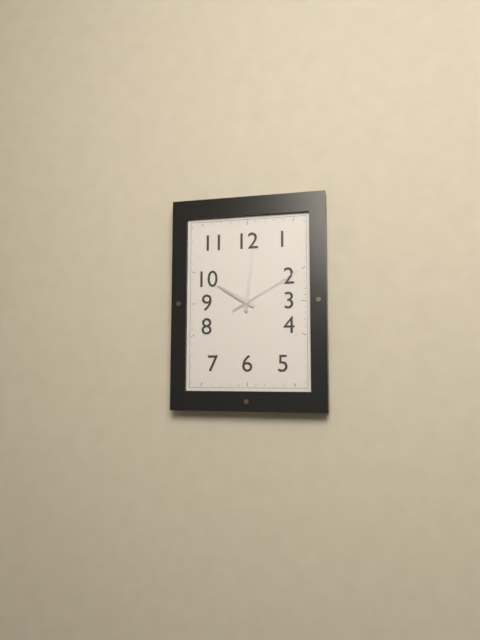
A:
10,01,10
